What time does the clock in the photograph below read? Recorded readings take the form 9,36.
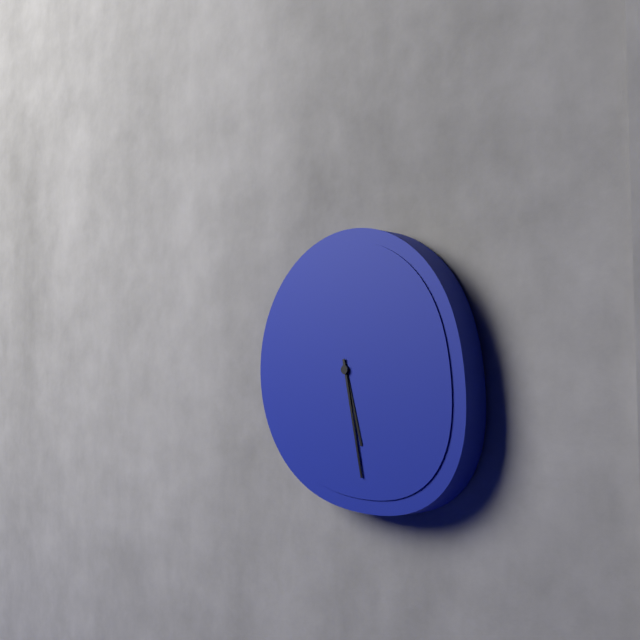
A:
5,28
